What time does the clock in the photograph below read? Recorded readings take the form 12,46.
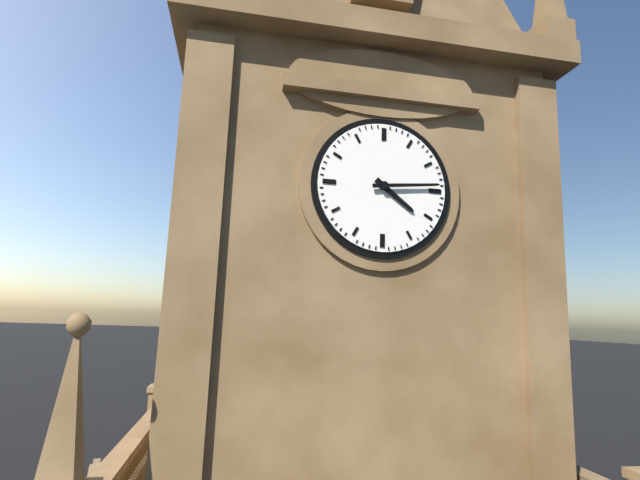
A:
4,14
